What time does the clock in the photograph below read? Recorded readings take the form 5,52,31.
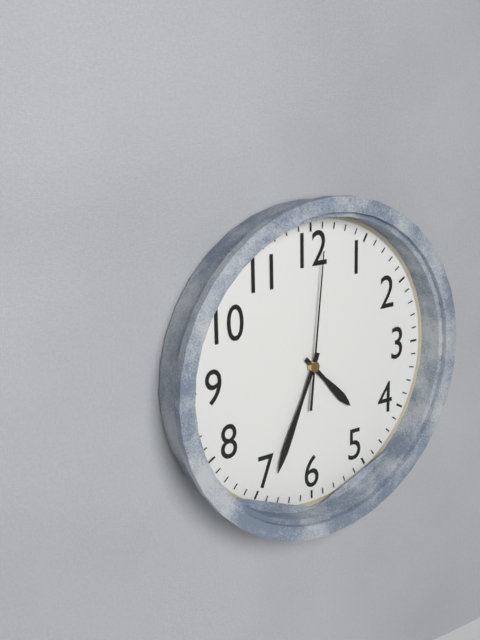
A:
4,34,01
